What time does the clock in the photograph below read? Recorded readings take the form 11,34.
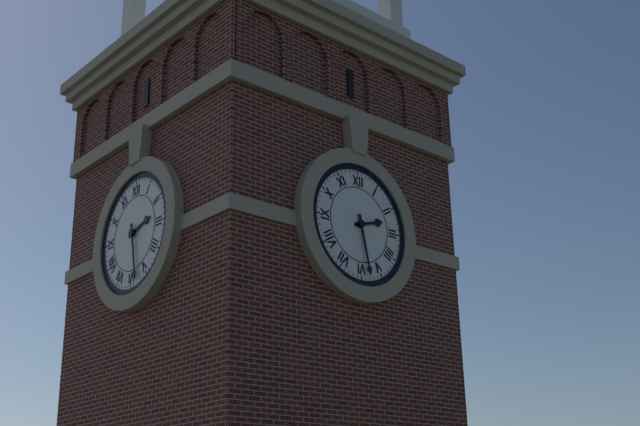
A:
2,28
